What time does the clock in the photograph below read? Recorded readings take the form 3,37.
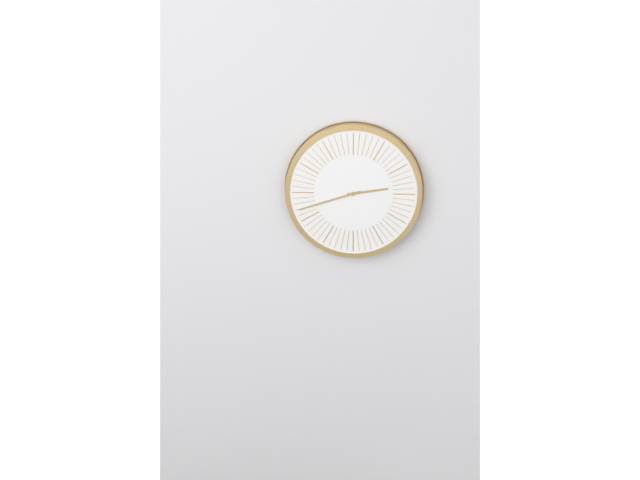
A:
2,42
